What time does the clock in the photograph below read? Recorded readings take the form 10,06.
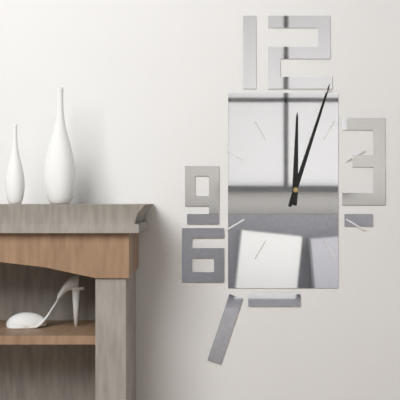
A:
12,03
